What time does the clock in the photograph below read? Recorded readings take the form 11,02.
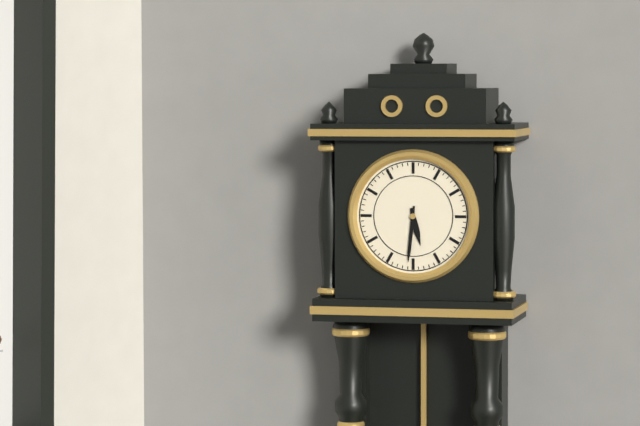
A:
5,31
